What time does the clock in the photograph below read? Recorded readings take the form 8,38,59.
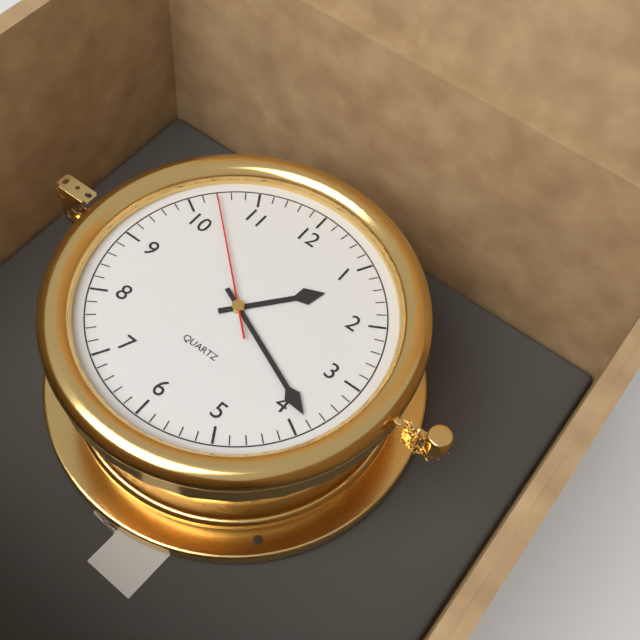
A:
1,19,52
